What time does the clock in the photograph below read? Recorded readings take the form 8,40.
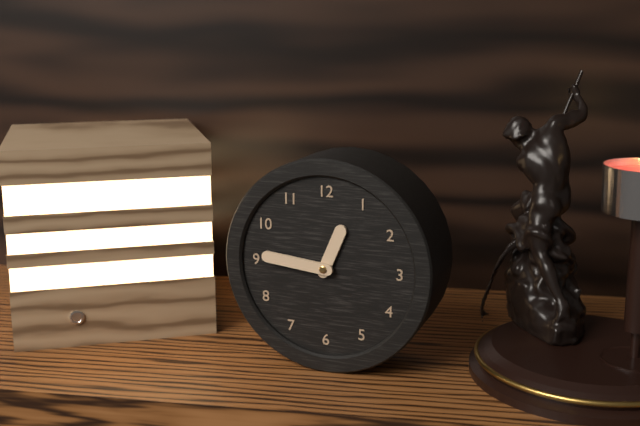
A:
12,46
